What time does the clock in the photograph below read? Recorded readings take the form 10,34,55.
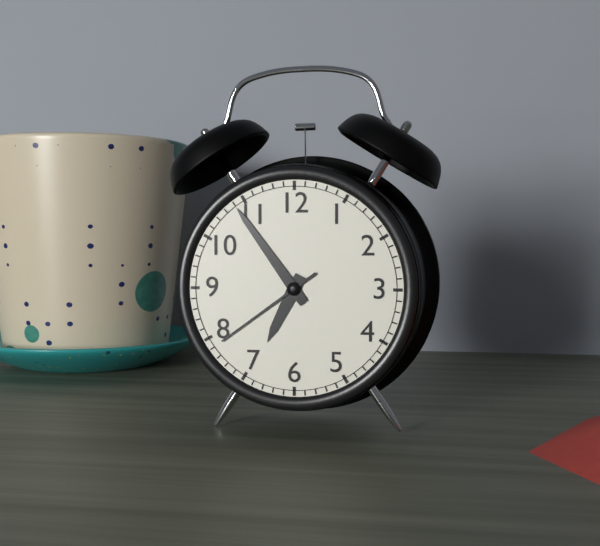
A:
6,54,39
